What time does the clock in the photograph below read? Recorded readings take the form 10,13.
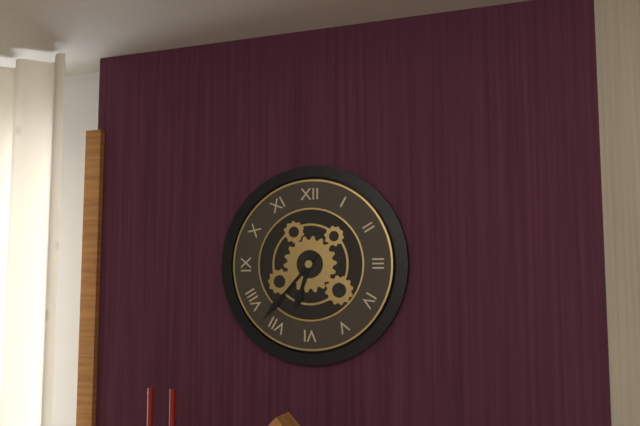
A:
6,37
